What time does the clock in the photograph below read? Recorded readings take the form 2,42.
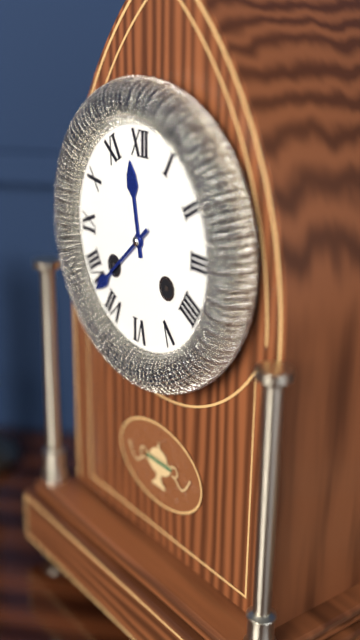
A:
11,38
